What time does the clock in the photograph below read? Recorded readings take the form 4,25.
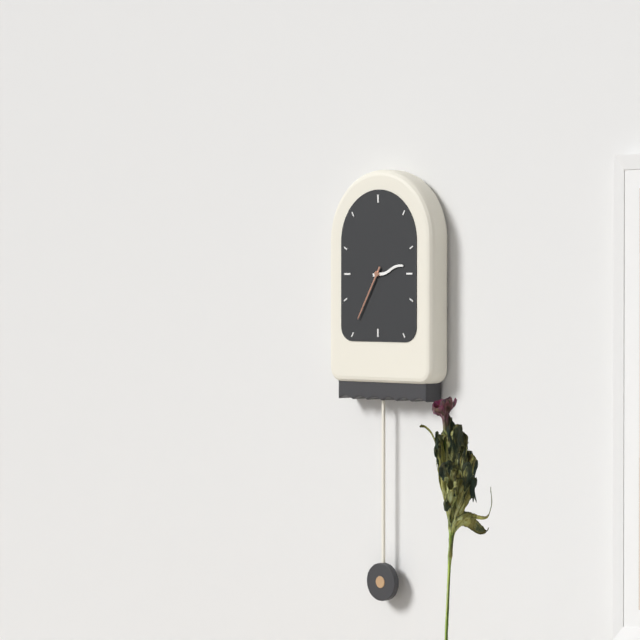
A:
2,35
